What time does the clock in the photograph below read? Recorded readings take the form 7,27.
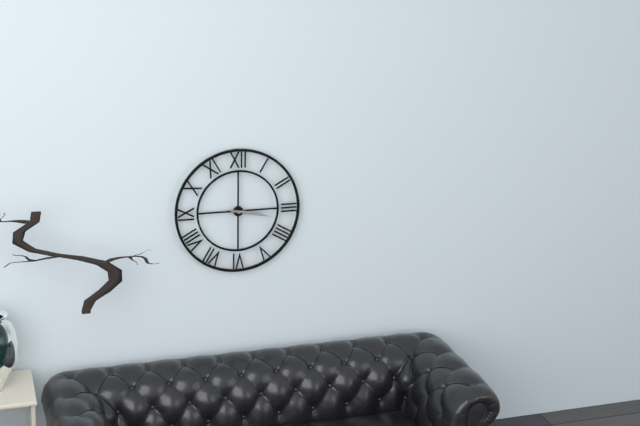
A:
3,17
